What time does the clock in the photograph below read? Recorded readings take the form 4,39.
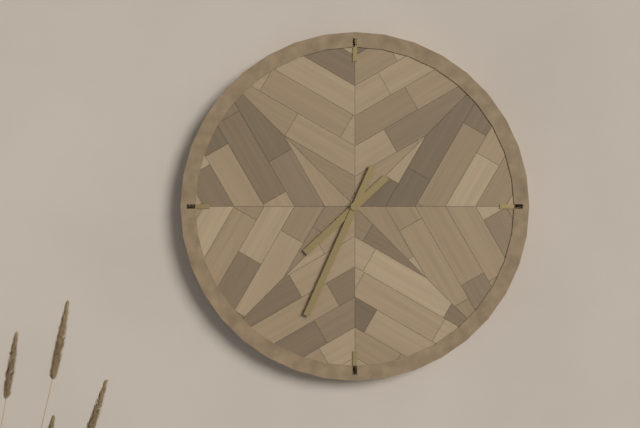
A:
7,34
